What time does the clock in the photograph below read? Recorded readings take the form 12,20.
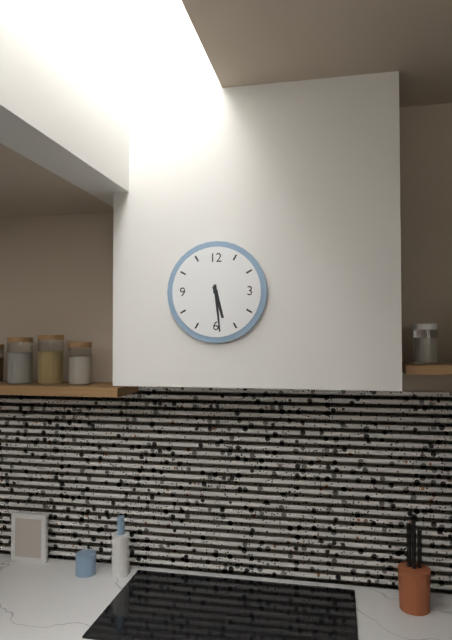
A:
5,29
